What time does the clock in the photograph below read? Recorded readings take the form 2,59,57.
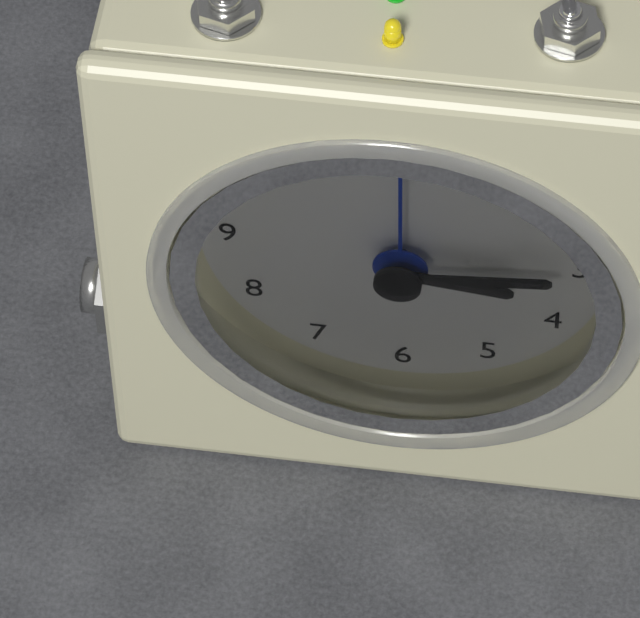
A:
3,14,00
